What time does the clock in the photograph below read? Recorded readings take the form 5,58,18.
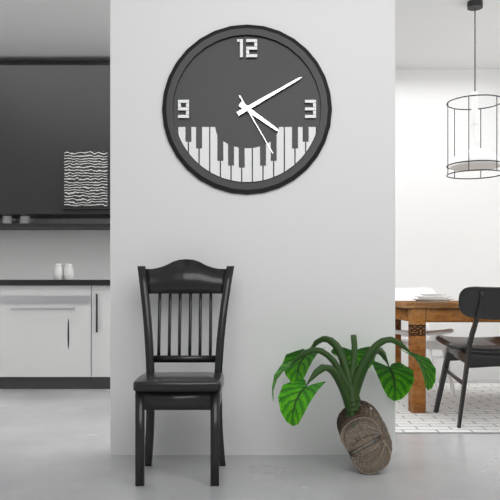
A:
4,10,25
